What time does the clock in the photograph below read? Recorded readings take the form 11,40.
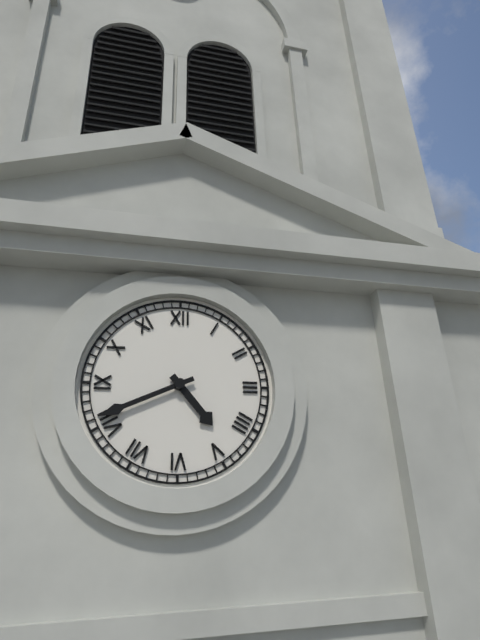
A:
4,41
